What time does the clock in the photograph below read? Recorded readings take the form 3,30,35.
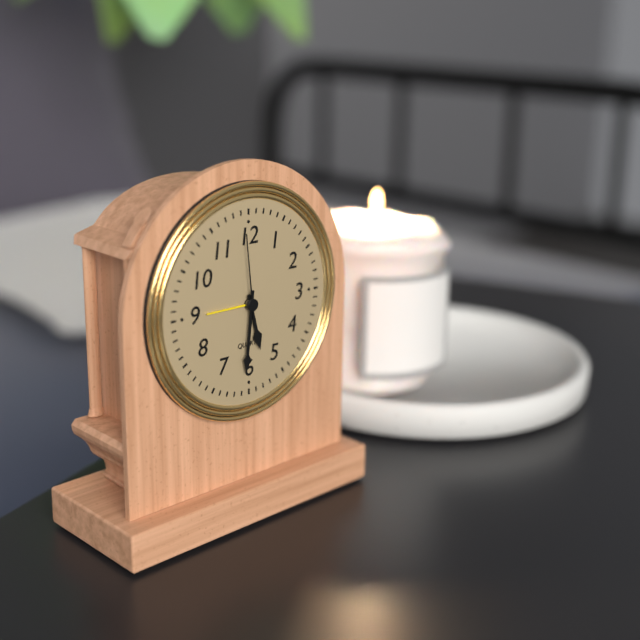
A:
5,31,59
